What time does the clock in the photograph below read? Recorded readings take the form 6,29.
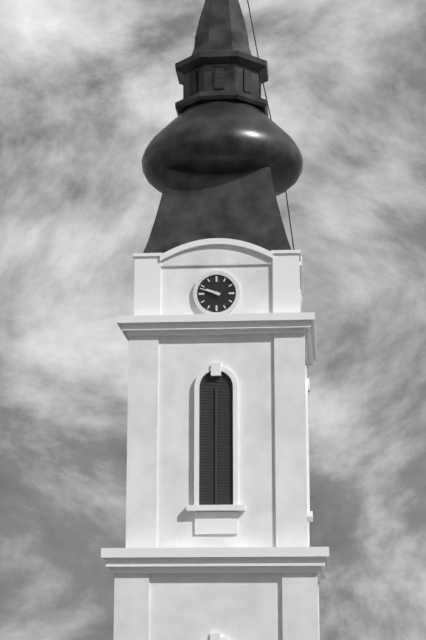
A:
9,48
